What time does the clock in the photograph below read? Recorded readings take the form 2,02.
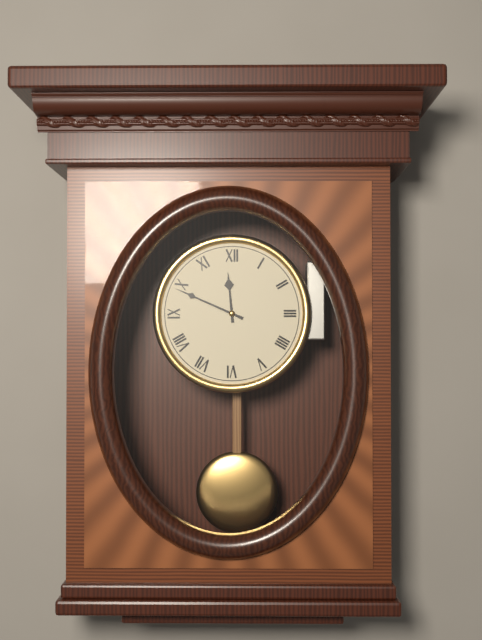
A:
11,49
